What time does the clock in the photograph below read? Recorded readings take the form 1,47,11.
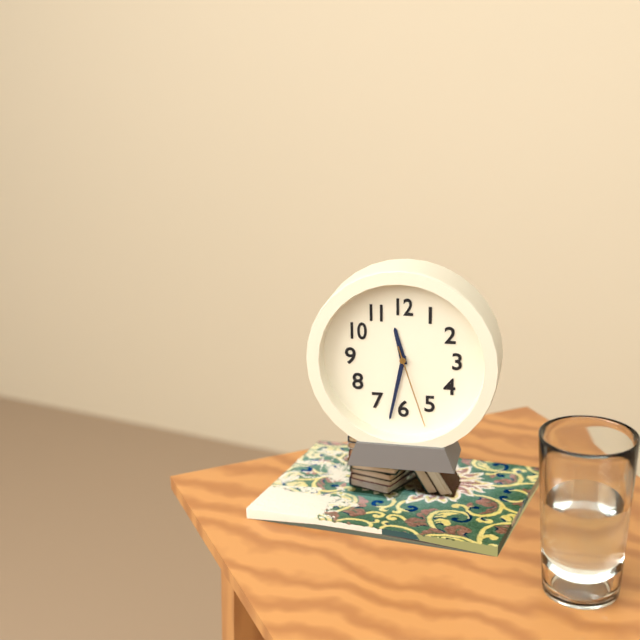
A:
11,32,27
